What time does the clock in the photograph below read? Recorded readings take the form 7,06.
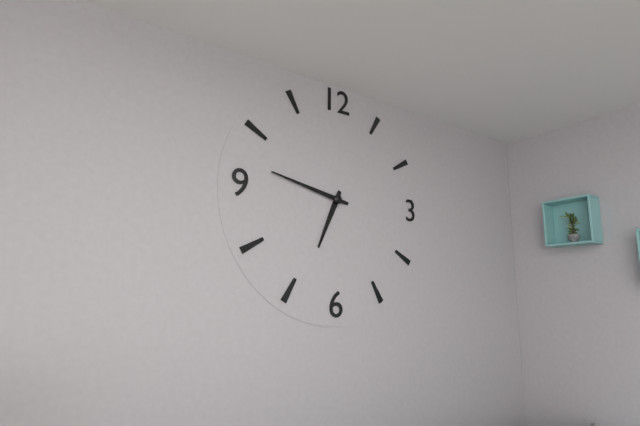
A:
6,47
